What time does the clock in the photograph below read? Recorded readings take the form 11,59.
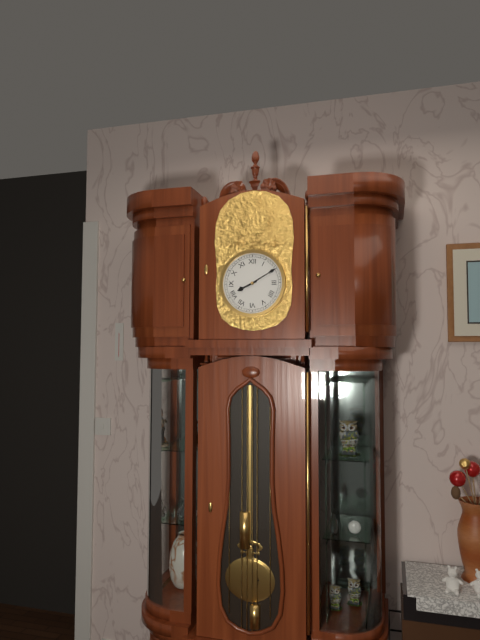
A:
8,10
